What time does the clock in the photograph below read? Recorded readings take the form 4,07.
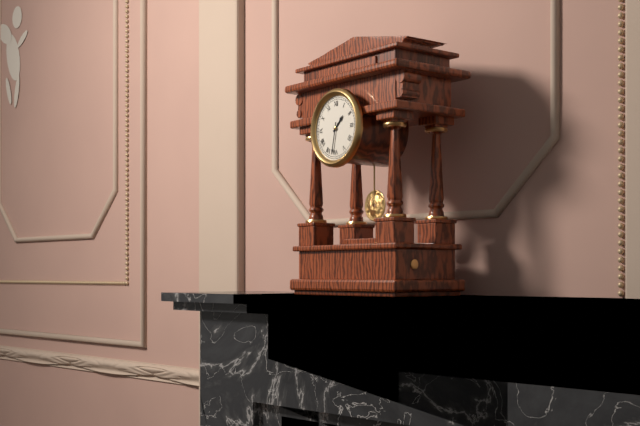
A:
1,32
